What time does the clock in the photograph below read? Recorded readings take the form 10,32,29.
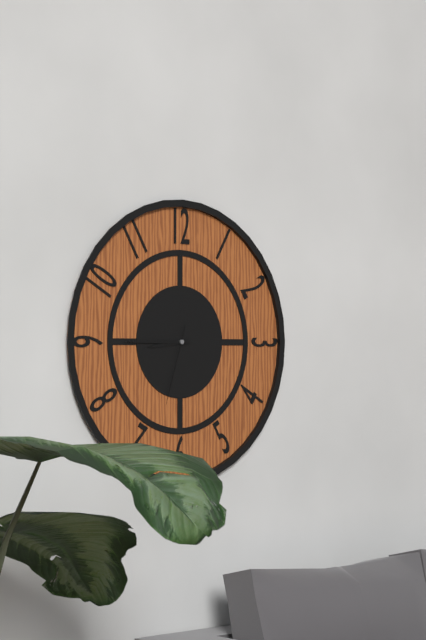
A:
8,45,33
